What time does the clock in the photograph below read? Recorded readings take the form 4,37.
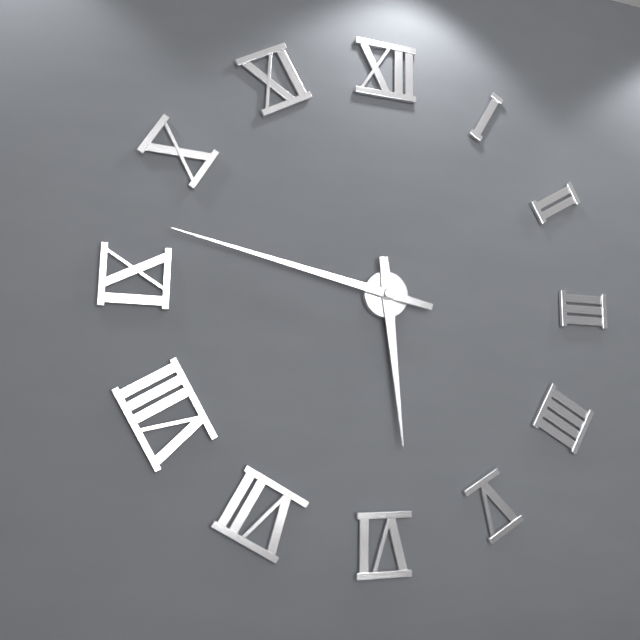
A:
5,47
